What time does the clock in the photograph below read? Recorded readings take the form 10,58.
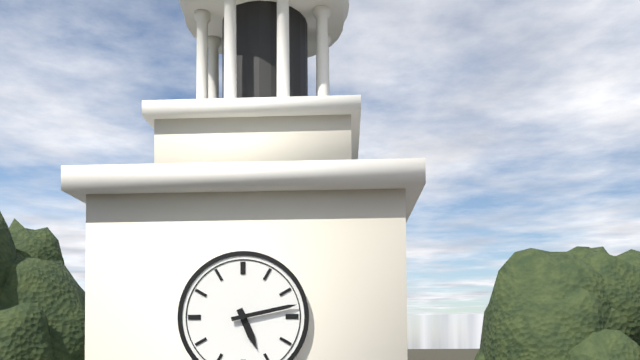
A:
5,13
